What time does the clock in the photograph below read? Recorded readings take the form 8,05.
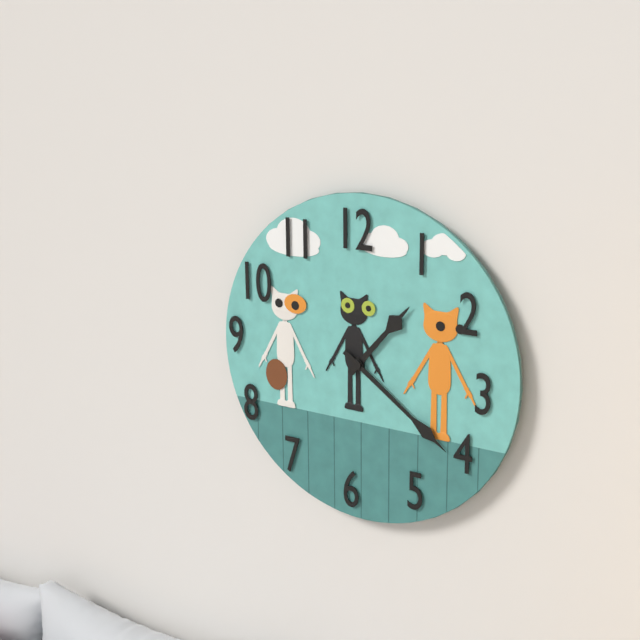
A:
1,21
